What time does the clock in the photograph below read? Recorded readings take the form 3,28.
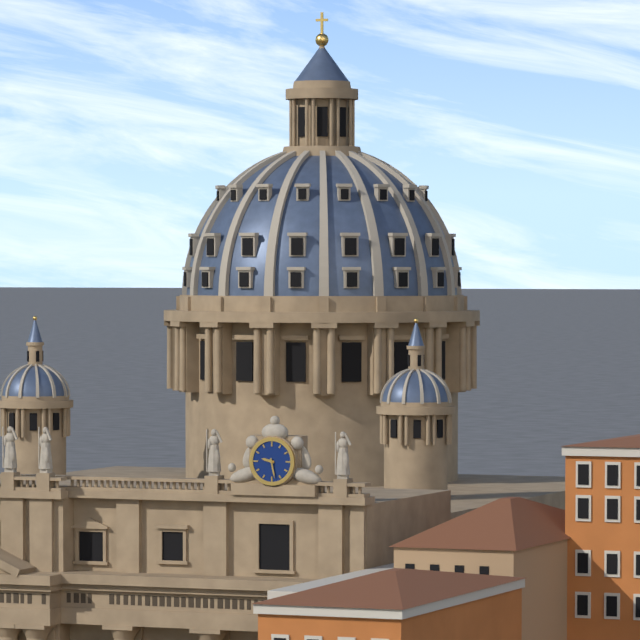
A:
9,28
